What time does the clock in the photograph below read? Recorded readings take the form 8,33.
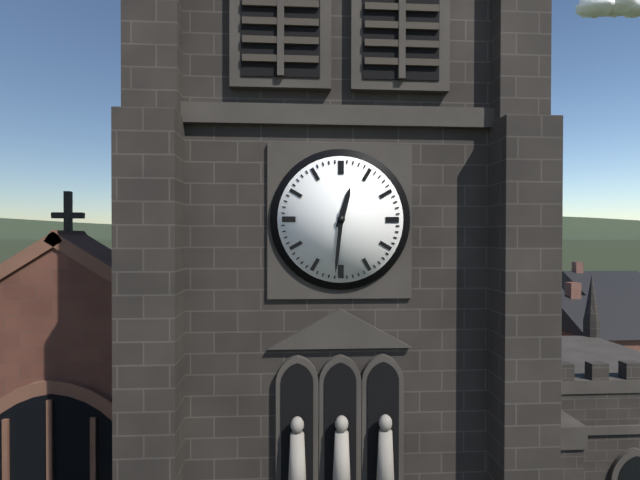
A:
12,31
